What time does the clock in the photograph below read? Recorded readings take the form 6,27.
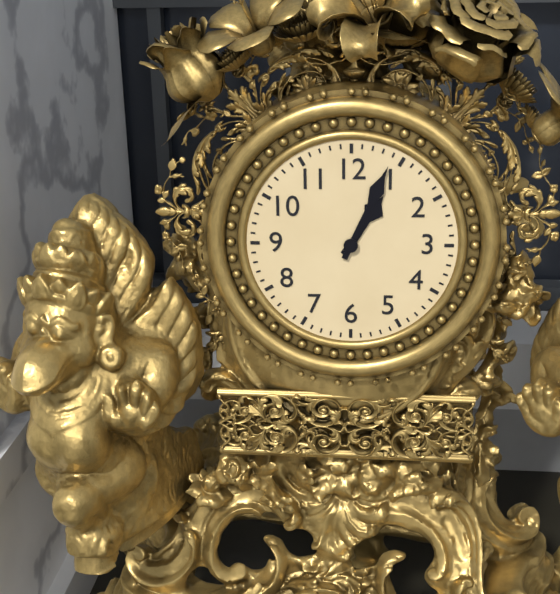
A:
1,04
